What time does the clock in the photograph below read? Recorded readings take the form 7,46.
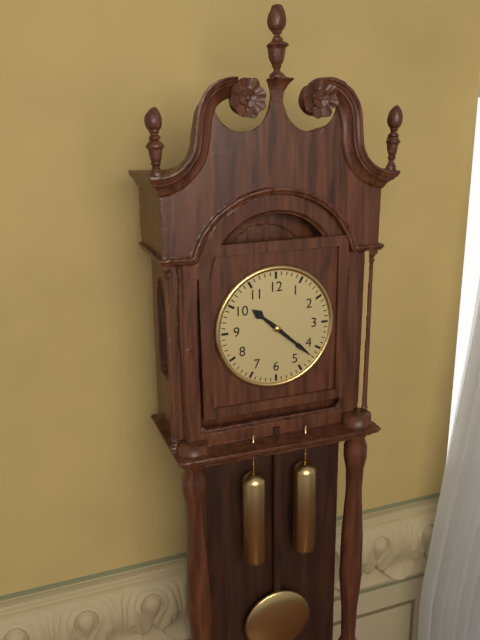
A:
10,22
